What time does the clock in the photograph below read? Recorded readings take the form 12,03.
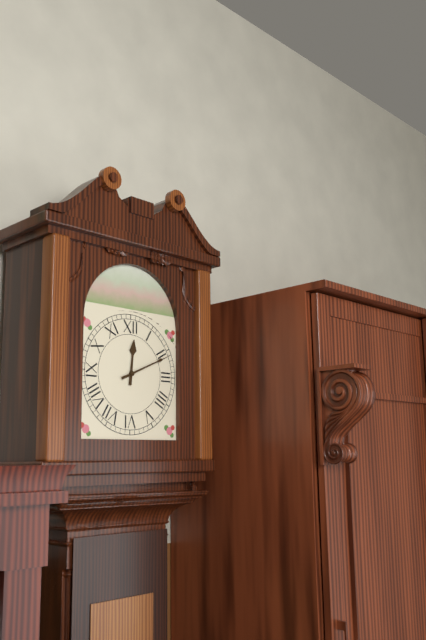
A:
12,11
